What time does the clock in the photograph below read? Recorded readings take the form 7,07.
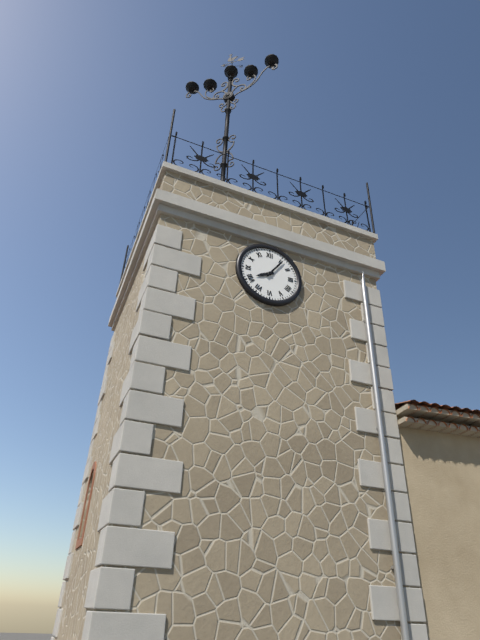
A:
8,06
